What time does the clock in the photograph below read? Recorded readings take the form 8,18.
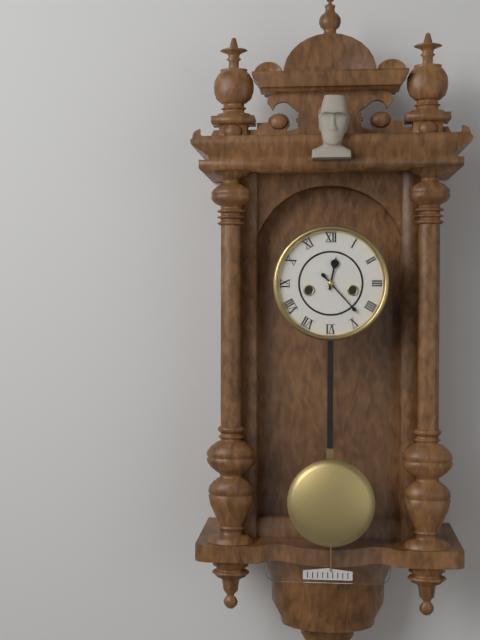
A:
12,23
